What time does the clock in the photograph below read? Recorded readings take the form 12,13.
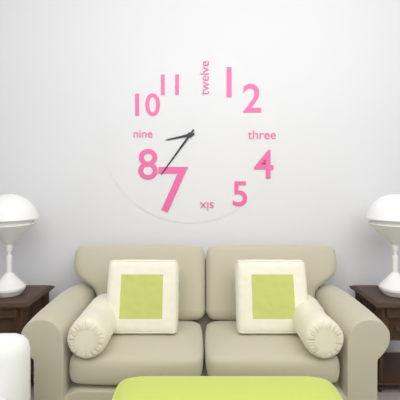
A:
8,36
